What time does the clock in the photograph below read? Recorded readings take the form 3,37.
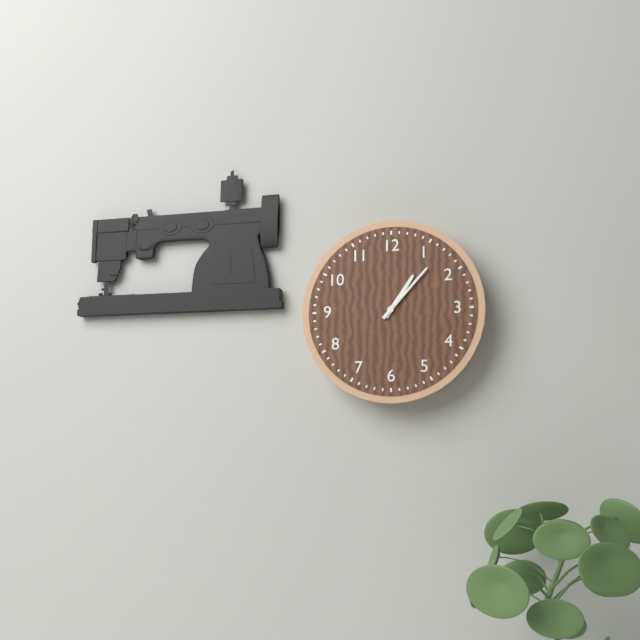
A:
1,07
